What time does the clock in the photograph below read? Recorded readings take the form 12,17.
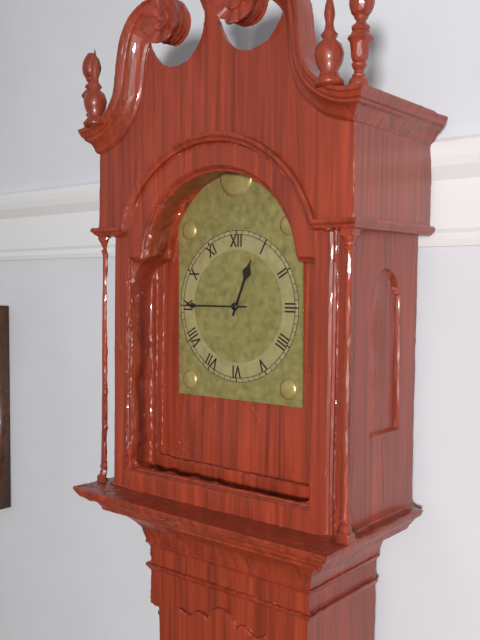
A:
12,45
